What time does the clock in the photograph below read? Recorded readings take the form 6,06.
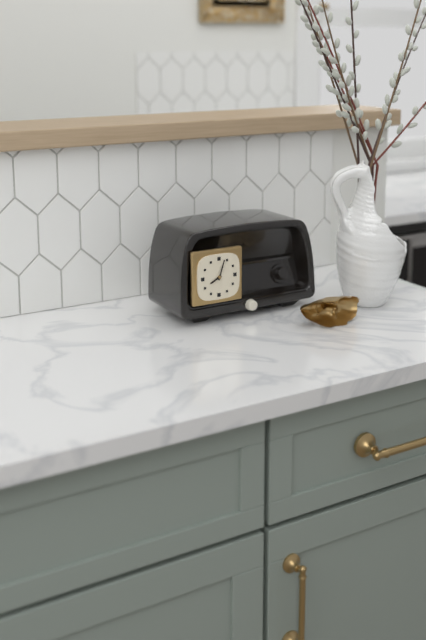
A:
8,03
